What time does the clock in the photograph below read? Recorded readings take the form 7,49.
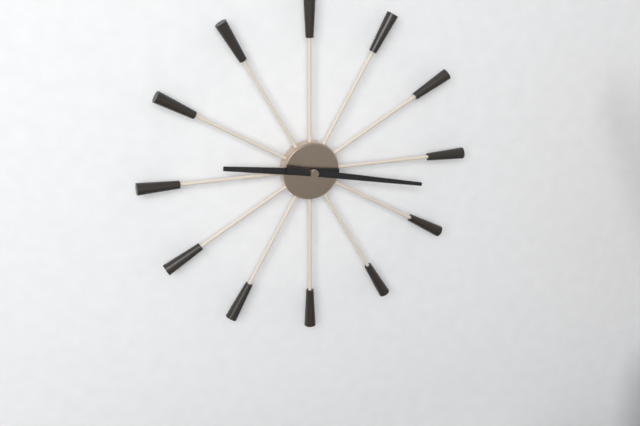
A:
9,17
